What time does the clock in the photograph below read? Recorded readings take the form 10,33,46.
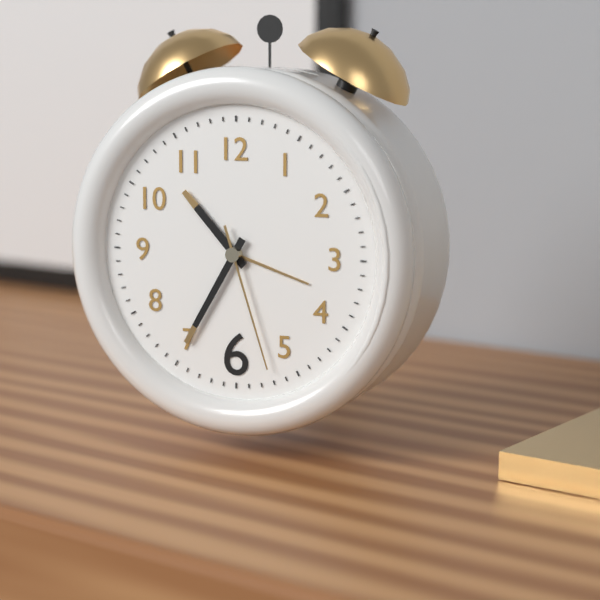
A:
10,35,27
